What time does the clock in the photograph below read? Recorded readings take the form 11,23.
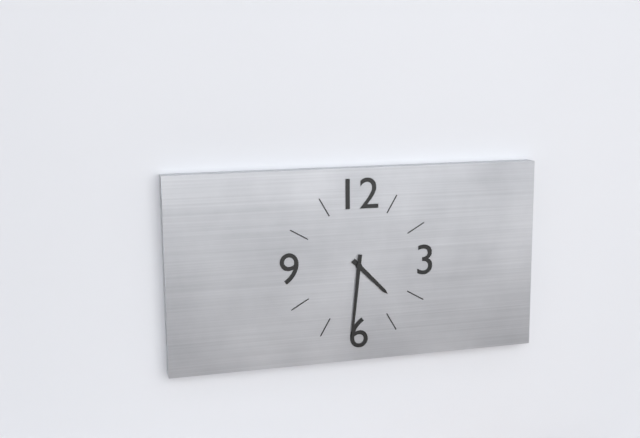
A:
4,31
